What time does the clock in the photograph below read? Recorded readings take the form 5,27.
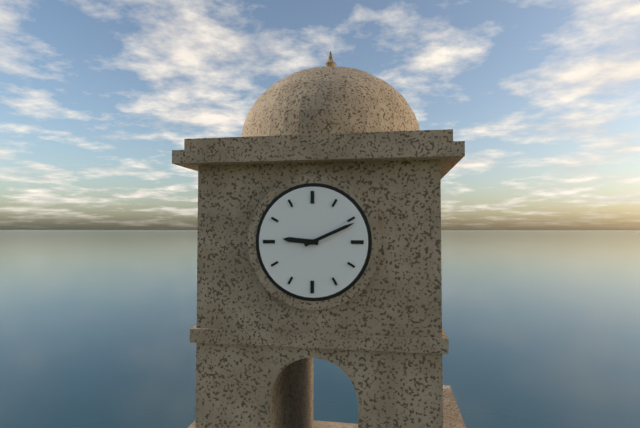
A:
9,11
